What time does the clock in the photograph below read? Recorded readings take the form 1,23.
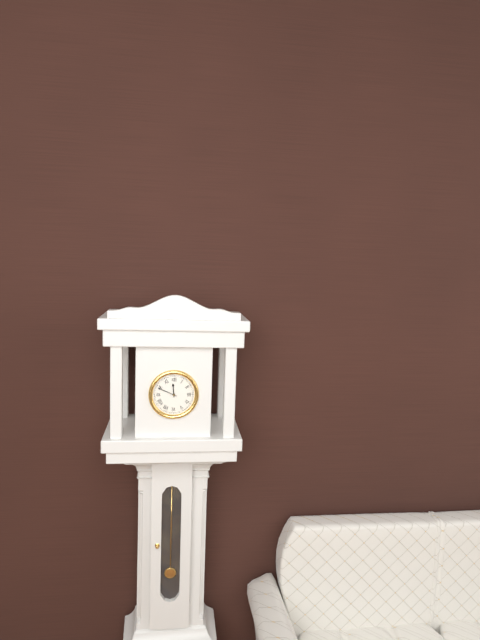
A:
11,49
